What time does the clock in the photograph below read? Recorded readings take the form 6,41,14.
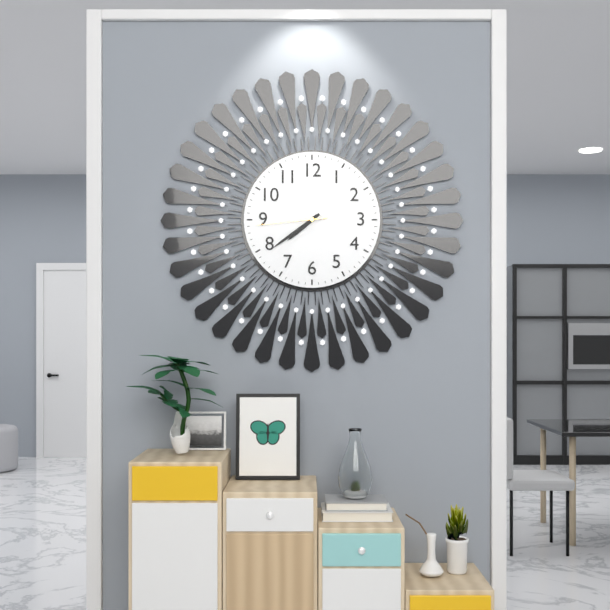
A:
7,39,44
